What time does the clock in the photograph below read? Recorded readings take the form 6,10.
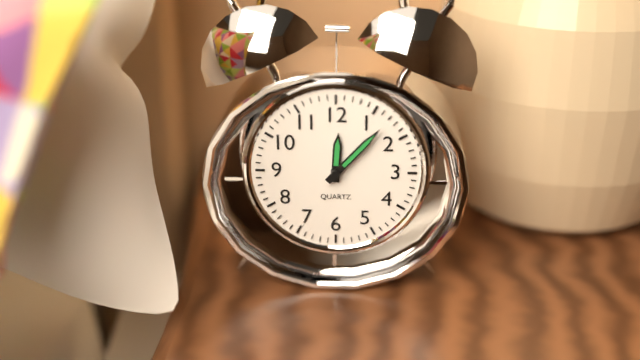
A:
12,07
